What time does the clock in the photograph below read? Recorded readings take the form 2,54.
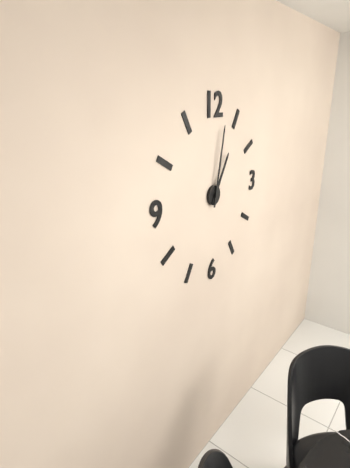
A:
1,02
